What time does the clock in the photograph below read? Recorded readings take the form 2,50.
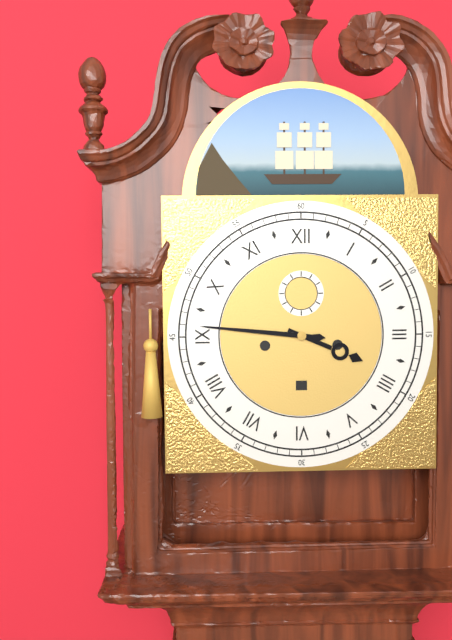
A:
3,46
